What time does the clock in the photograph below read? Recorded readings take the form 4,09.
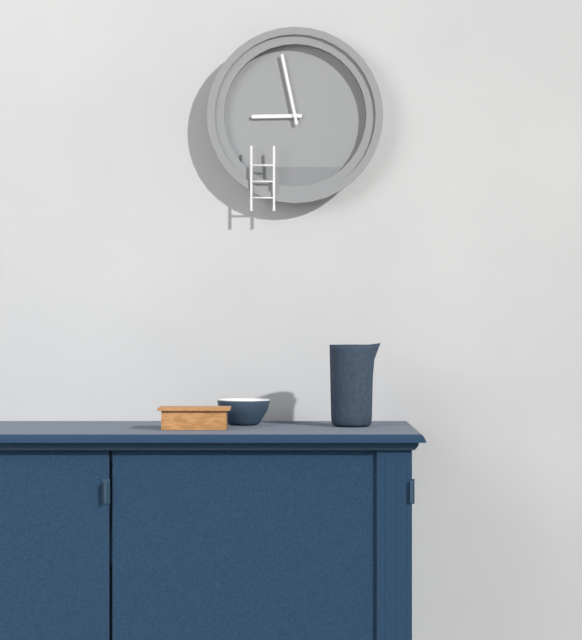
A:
8,58
